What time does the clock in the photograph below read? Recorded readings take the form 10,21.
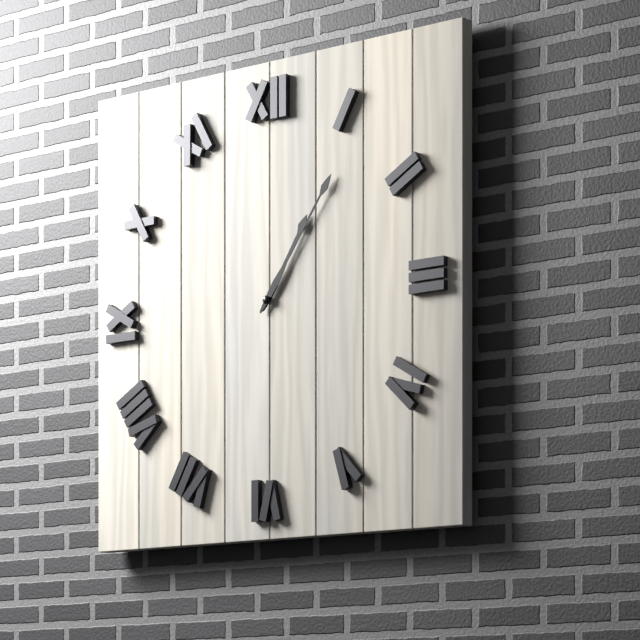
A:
1,06
